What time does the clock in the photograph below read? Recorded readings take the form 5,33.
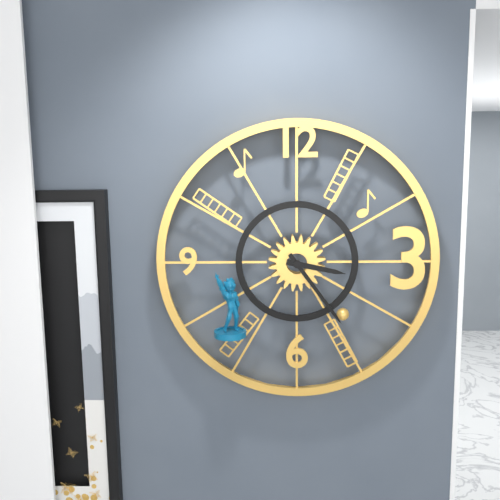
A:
3,24
